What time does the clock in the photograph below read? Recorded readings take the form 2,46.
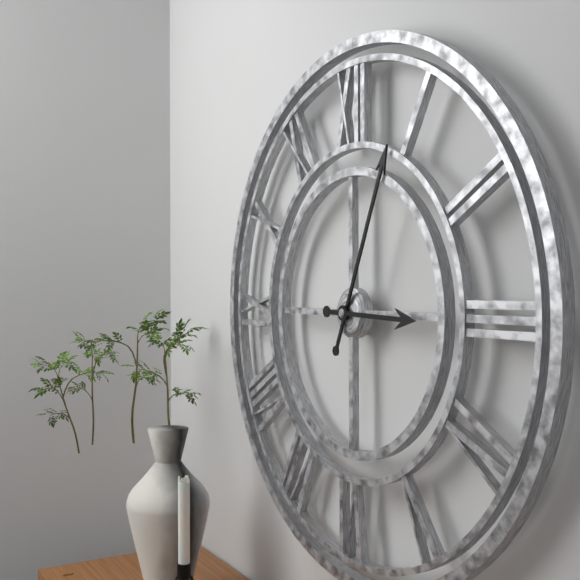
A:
3,04
